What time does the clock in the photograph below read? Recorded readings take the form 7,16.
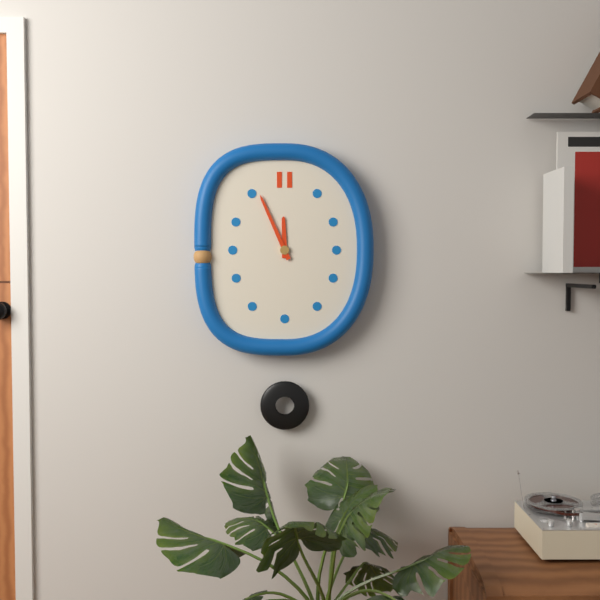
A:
11,56
